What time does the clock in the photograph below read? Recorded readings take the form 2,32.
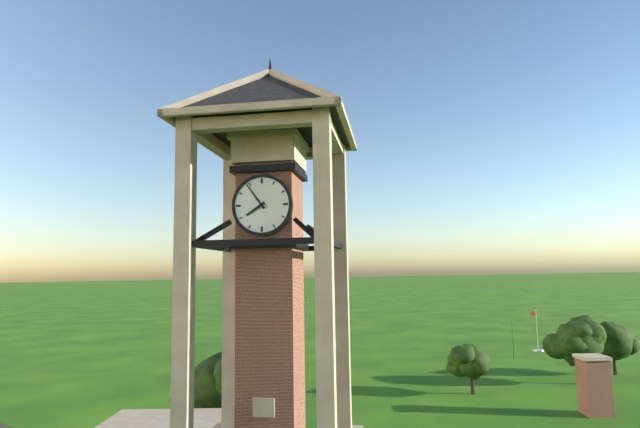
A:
7,54
